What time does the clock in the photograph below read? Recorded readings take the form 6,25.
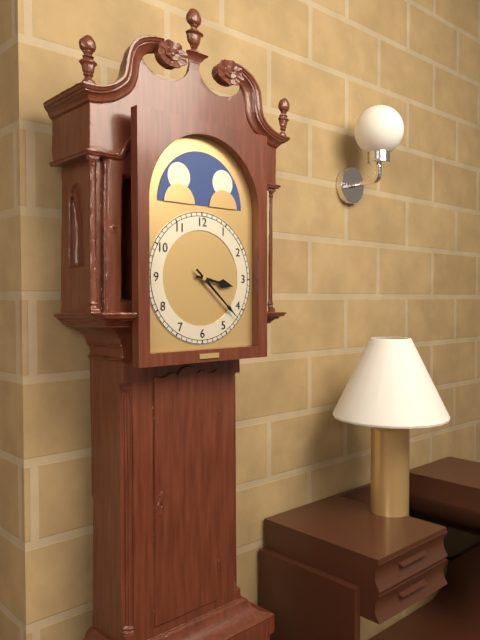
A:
3,22
